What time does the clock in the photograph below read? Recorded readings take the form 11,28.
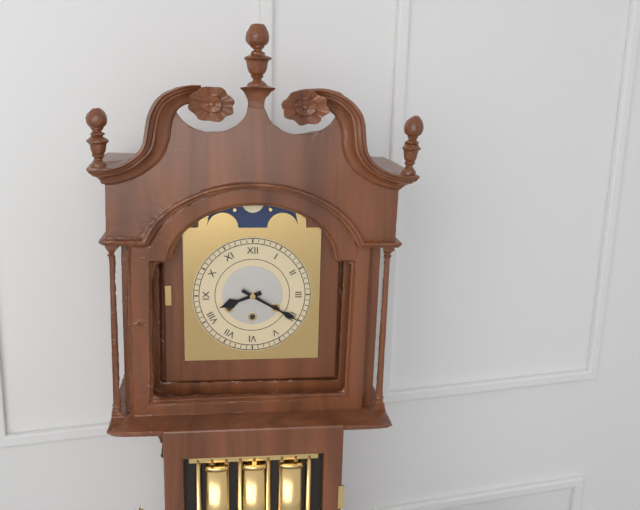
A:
8,20
